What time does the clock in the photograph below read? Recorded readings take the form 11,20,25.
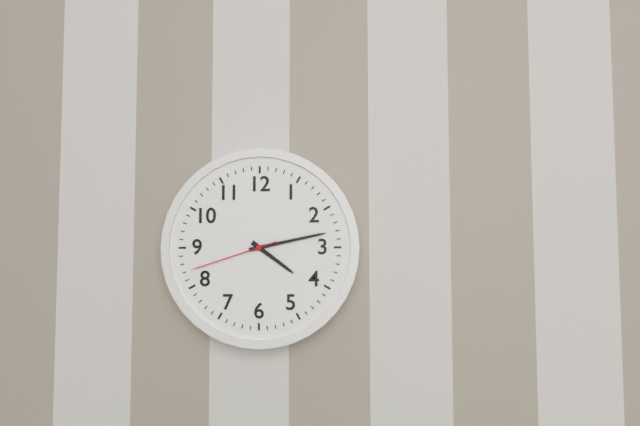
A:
4,13,42
